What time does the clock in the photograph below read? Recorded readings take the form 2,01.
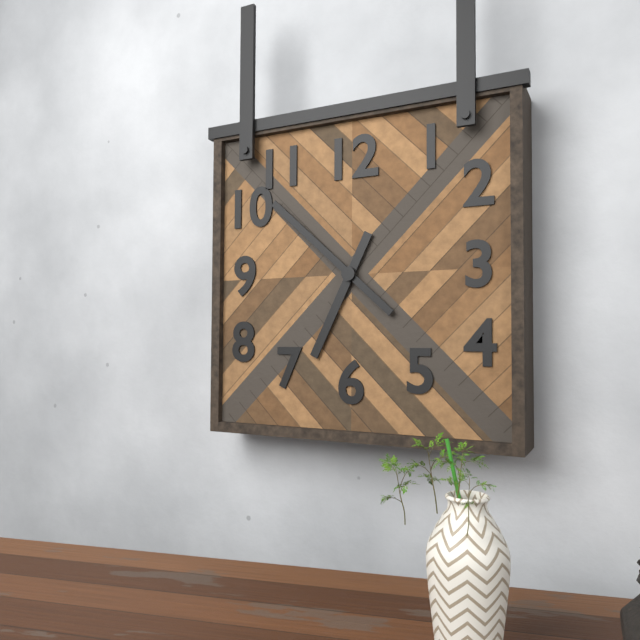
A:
6,52
